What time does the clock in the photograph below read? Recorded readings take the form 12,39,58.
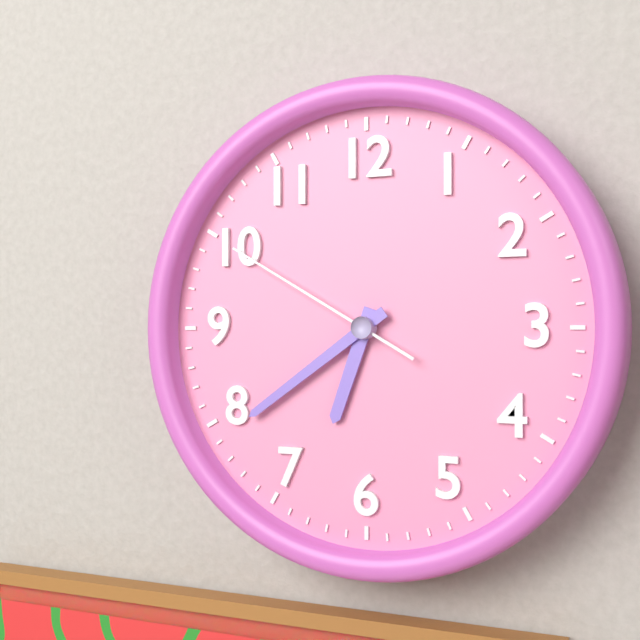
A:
6,39,50
